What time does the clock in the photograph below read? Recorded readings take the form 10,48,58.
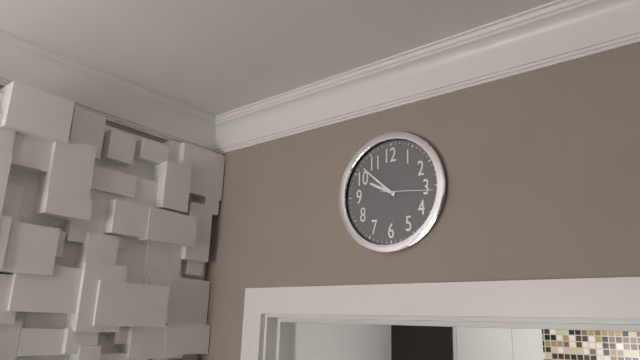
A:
9,52,16
